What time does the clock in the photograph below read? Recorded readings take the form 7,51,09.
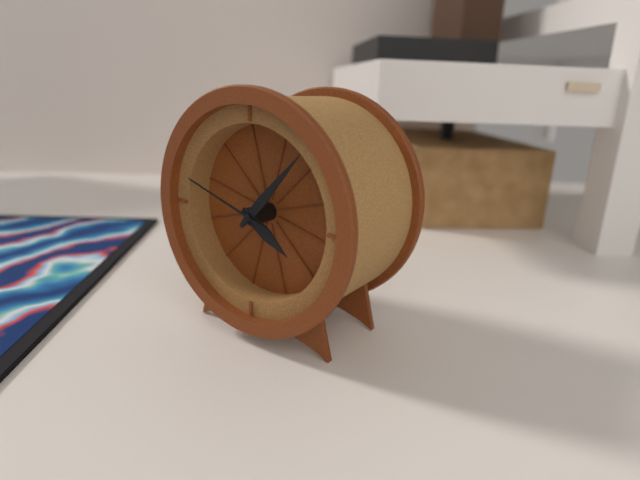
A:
4,07,48
